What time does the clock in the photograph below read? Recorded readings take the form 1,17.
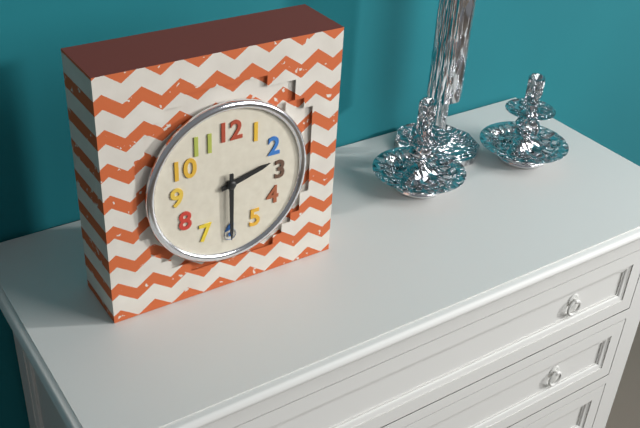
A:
2,30
